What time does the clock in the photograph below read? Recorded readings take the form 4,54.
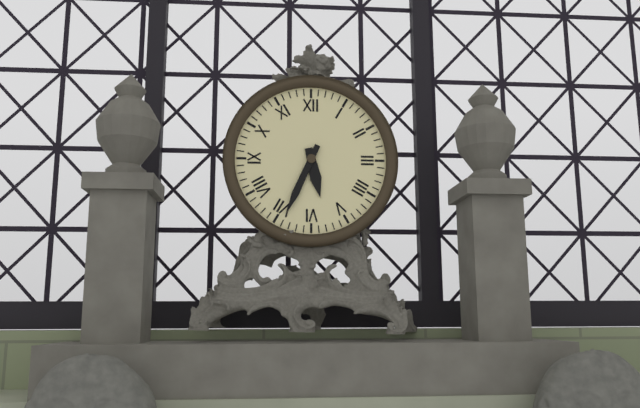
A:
5,34
